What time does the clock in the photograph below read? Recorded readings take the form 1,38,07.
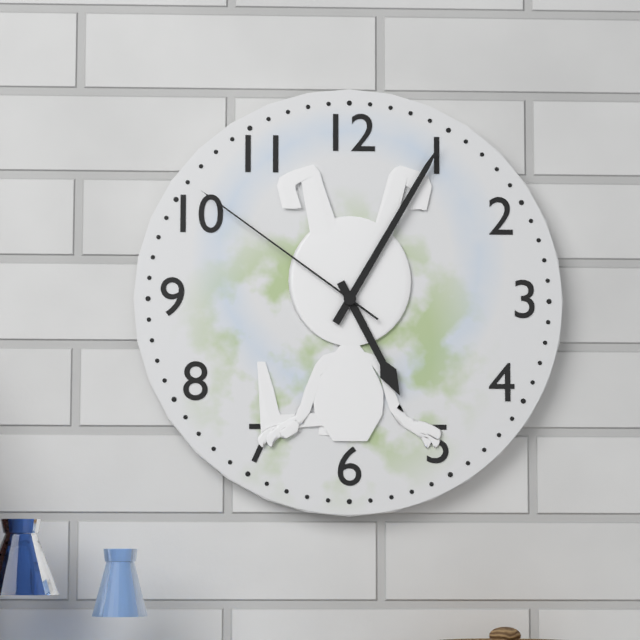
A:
5,05,51
